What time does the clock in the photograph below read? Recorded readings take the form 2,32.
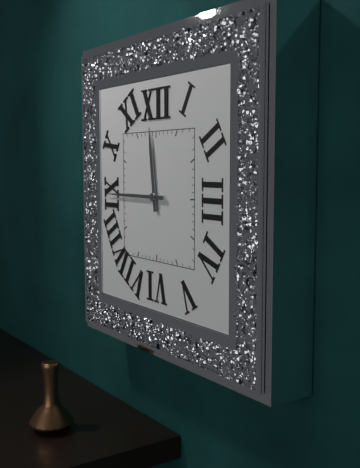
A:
11,45
